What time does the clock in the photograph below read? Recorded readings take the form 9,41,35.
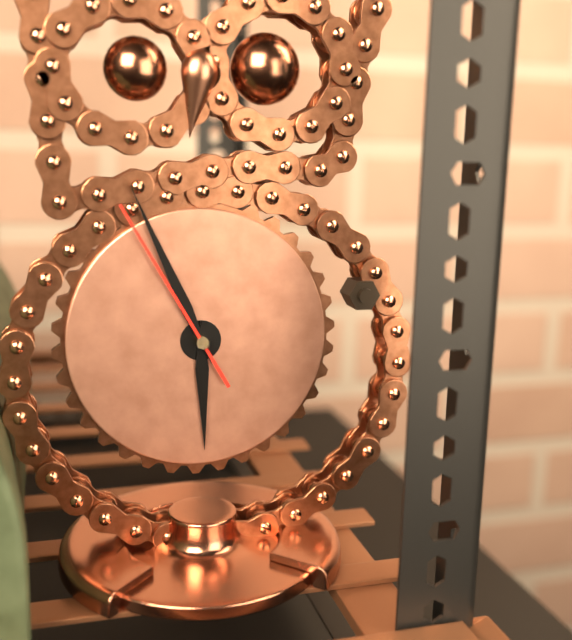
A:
5,56,55
